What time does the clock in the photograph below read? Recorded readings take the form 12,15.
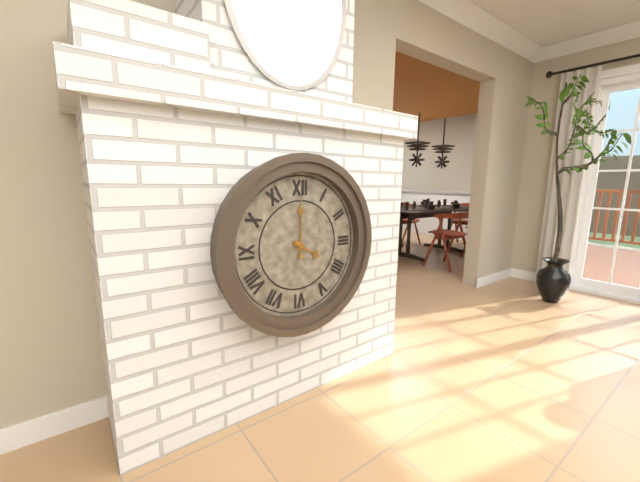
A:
4,00
